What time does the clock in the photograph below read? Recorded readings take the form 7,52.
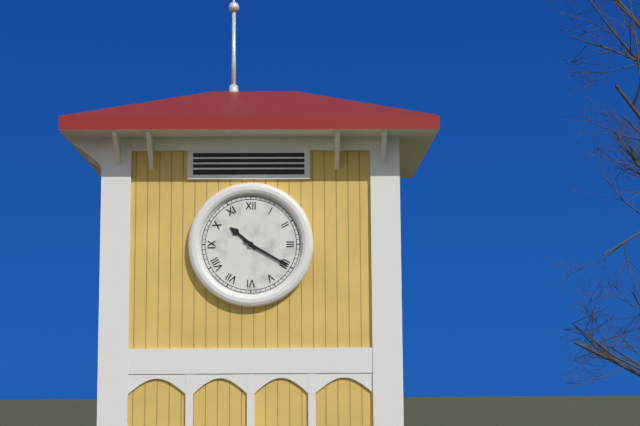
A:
10,20
